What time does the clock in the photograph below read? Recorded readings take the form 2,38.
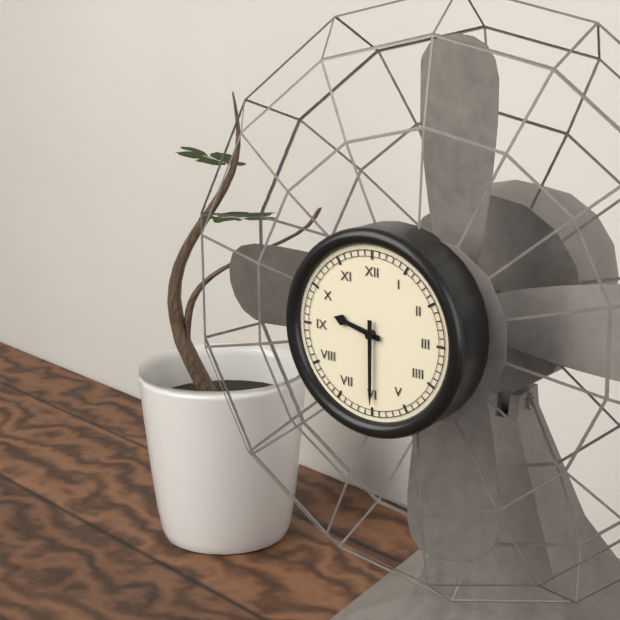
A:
9,30
